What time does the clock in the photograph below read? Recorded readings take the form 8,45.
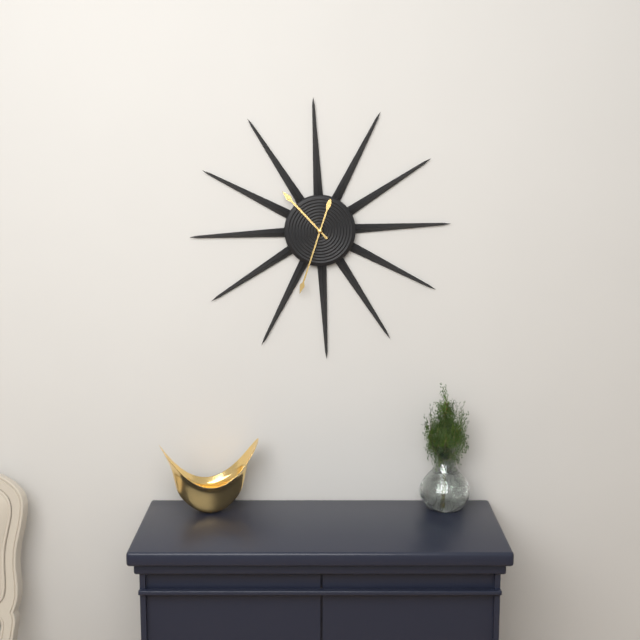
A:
10,33
